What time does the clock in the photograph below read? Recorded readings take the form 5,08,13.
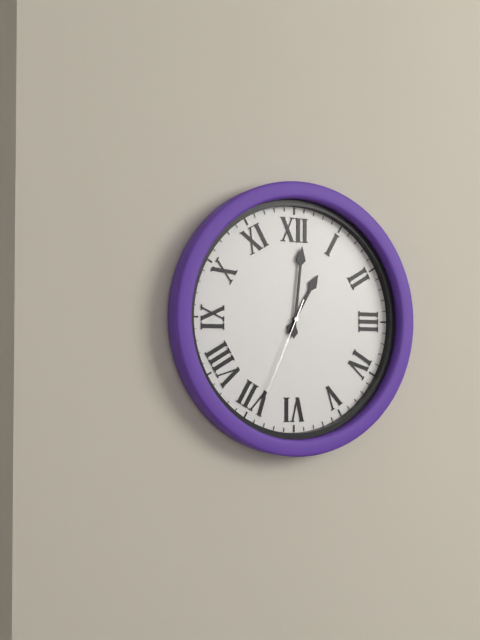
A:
1,01,34
